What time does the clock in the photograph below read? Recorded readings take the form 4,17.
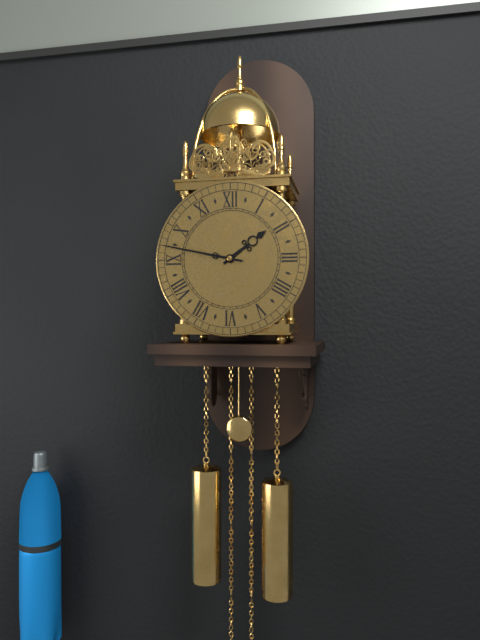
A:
1,47
